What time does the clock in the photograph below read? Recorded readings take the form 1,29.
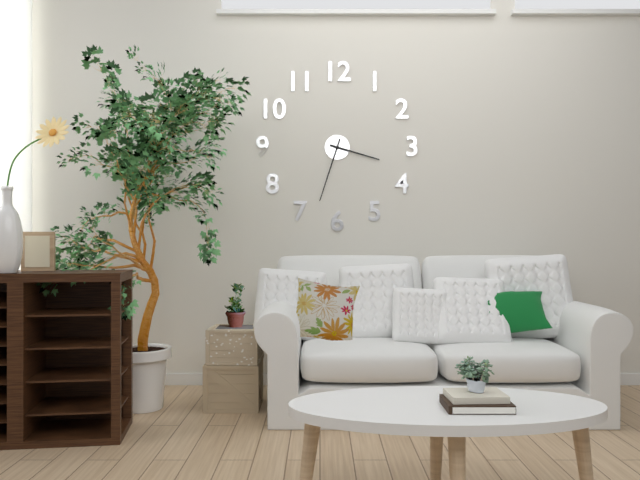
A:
3,33
